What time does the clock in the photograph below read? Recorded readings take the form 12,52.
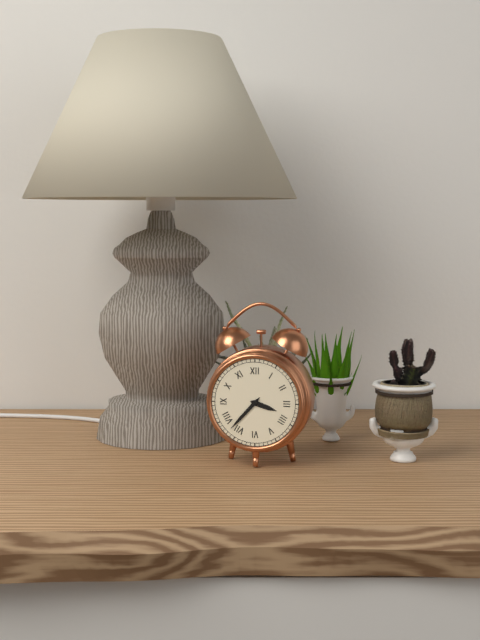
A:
3,37
